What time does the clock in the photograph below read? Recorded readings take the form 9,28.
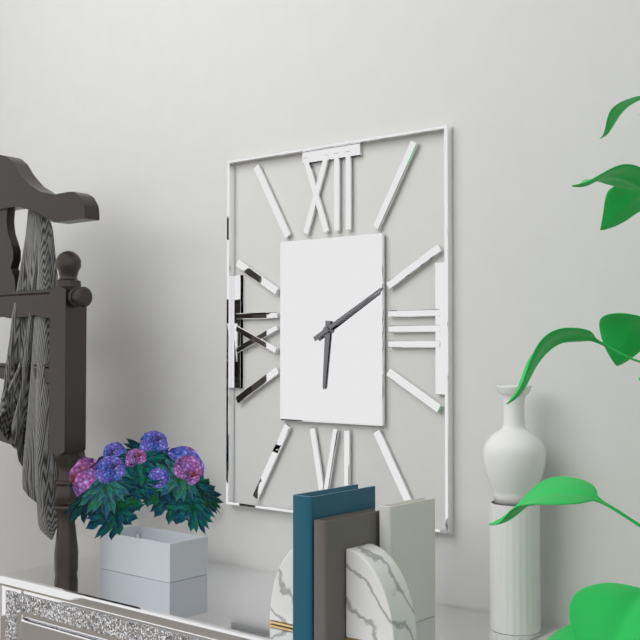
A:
6,10
